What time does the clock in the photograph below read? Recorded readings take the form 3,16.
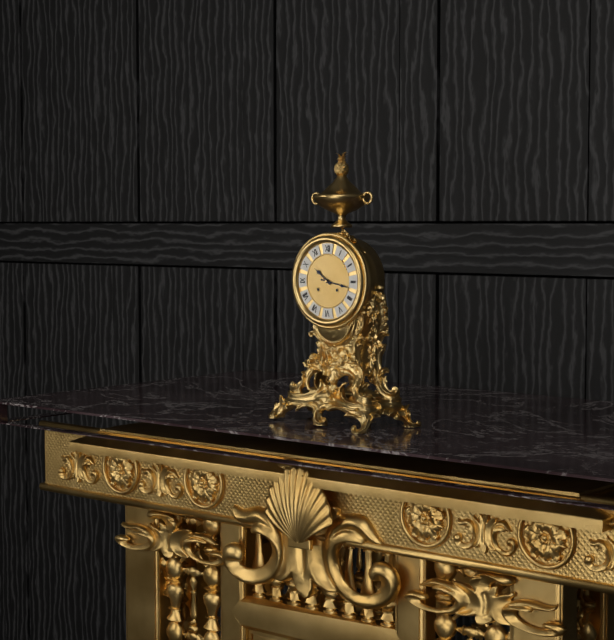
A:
10,17
